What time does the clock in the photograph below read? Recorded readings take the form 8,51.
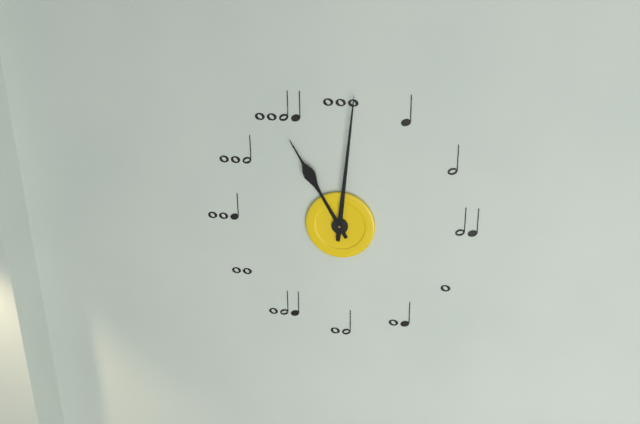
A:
11,01
